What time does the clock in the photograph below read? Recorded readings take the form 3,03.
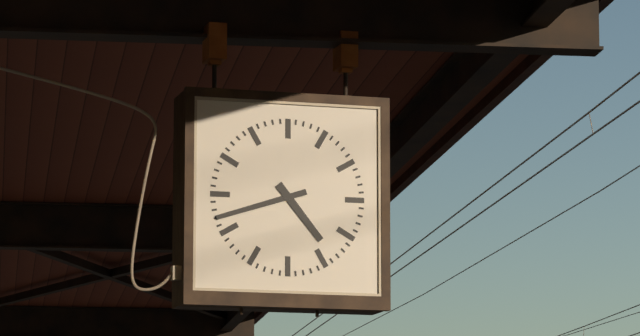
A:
4,42
